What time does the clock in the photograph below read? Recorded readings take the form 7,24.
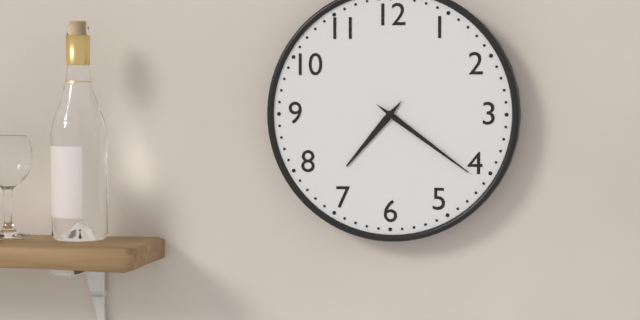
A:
7,21
